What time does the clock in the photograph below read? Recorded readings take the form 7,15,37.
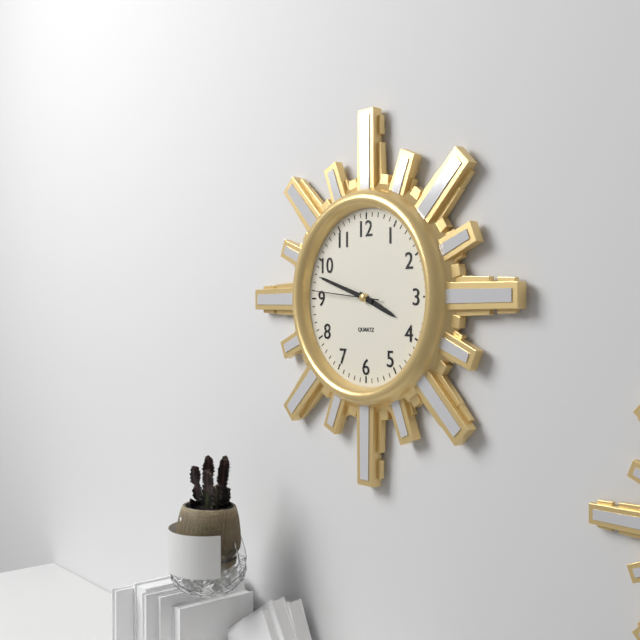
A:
3,48,46
